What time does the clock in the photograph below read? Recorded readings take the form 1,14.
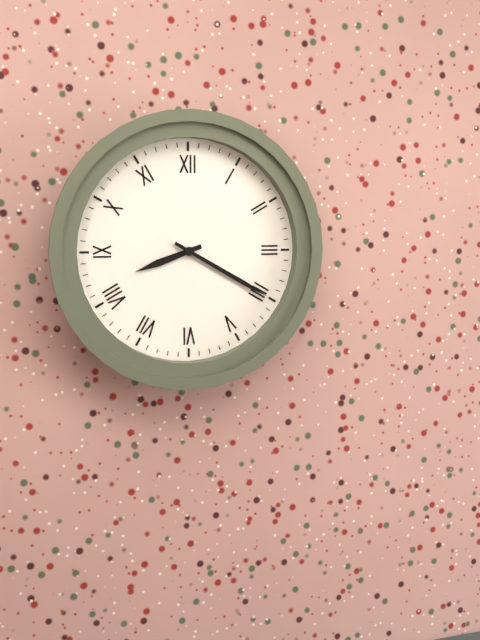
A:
8,20
